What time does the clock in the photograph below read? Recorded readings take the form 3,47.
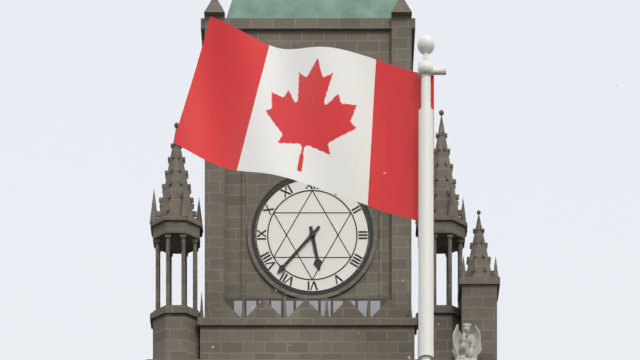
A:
5,37
